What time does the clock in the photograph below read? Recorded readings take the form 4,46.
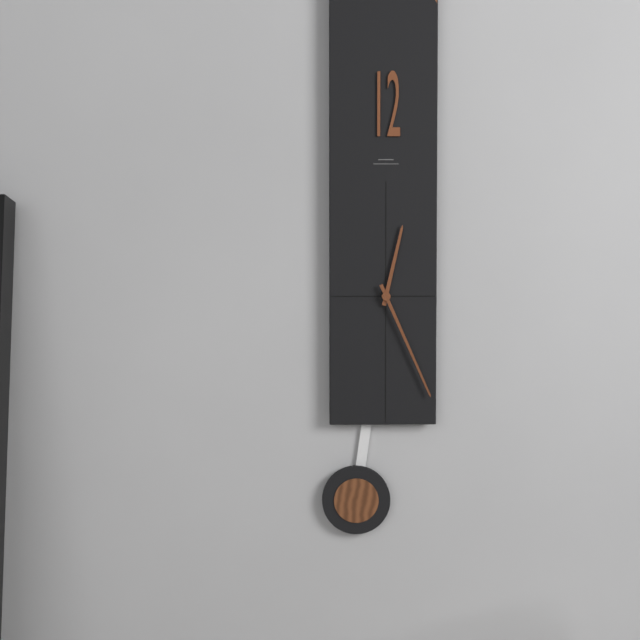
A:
12,26
